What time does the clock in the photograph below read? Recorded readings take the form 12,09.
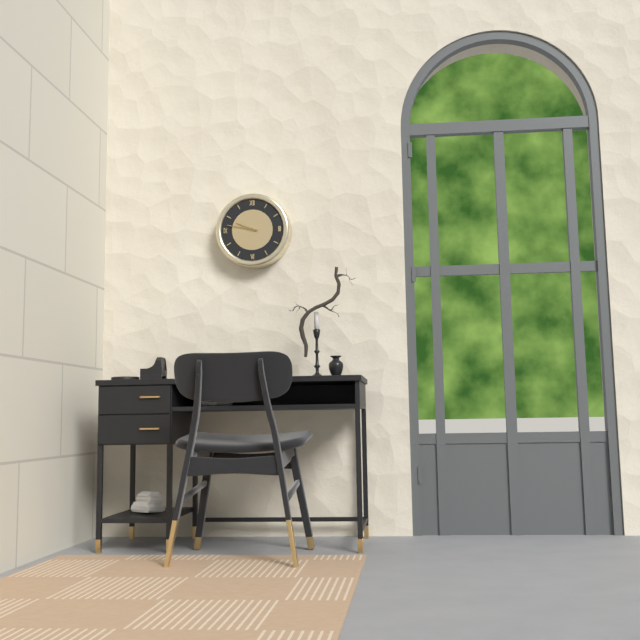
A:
9,47
